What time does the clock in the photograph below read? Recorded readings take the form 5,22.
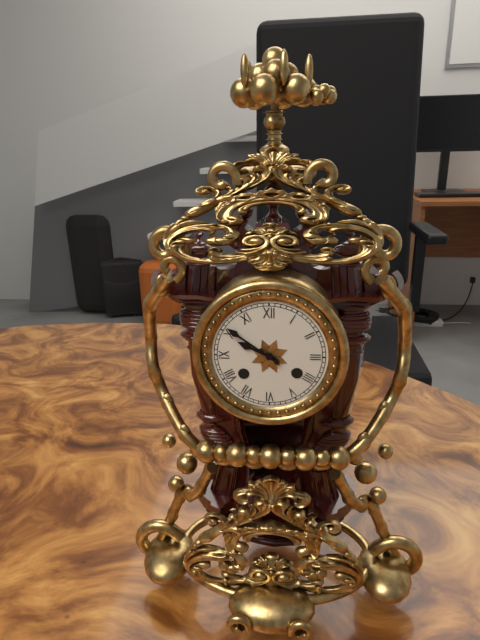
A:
9,51
